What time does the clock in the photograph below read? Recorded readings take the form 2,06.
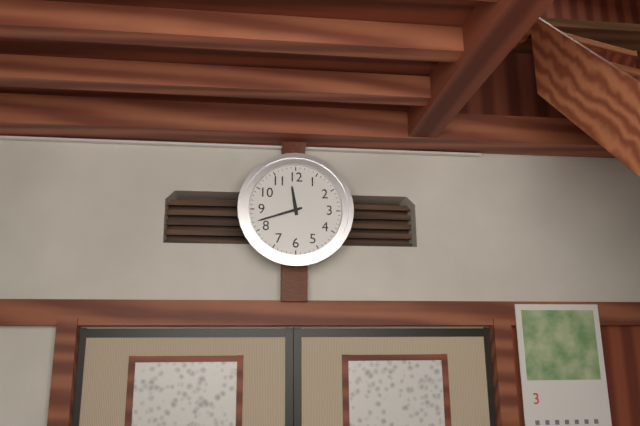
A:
11,42
